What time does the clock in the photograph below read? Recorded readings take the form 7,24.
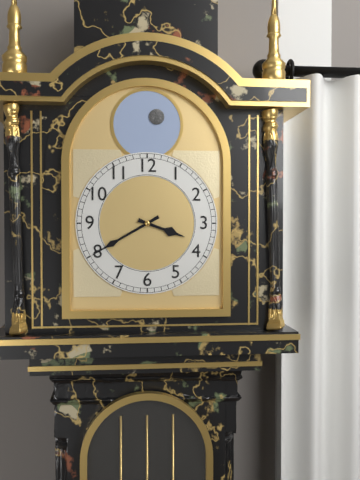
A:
3,40
